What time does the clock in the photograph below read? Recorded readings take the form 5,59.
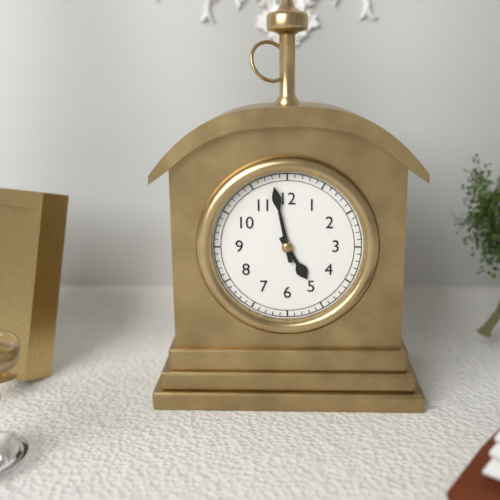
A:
4,58
